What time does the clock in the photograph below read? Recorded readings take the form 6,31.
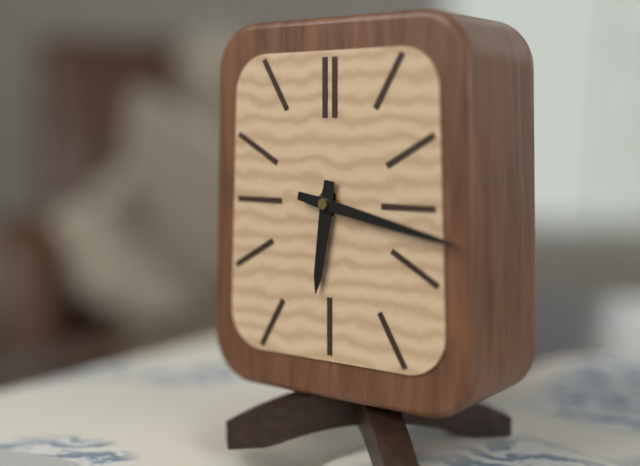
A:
6,17
